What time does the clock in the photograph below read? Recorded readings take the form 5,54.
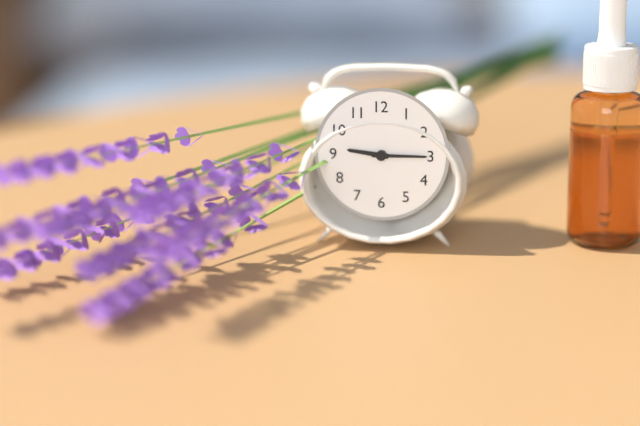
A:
9,15
